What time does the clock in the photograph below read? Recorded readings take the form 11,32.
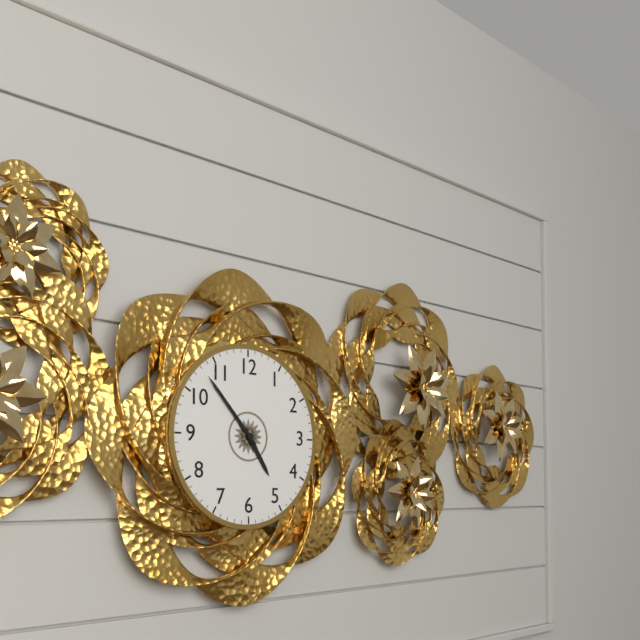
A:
4,53
